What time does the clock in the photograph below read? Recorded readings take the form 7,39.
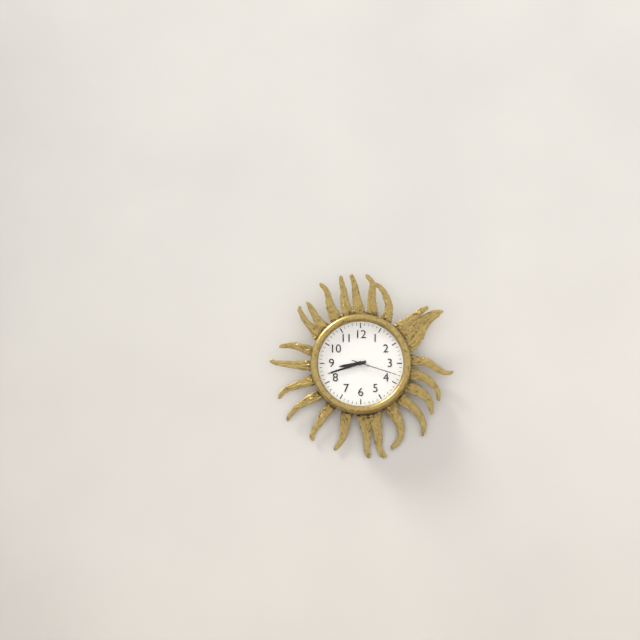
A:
8,42
